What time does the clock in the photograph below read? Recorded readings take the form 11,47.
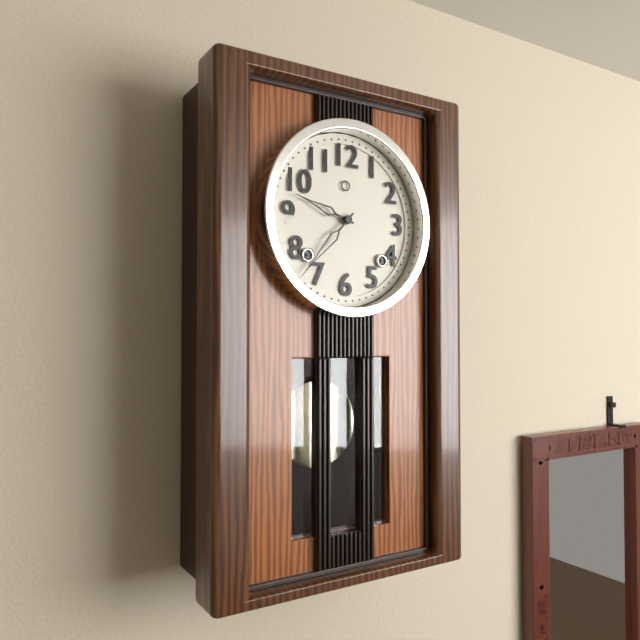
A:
9,37
